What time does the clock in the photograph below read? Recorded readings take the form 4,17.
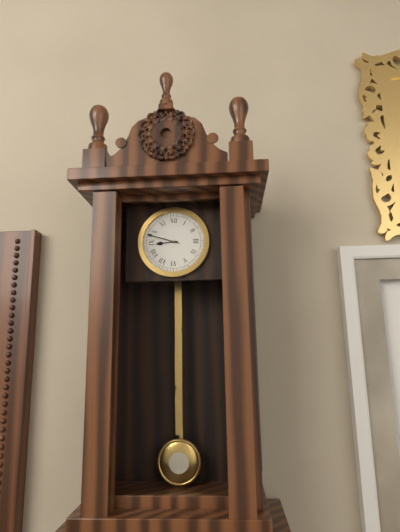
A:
8,48
